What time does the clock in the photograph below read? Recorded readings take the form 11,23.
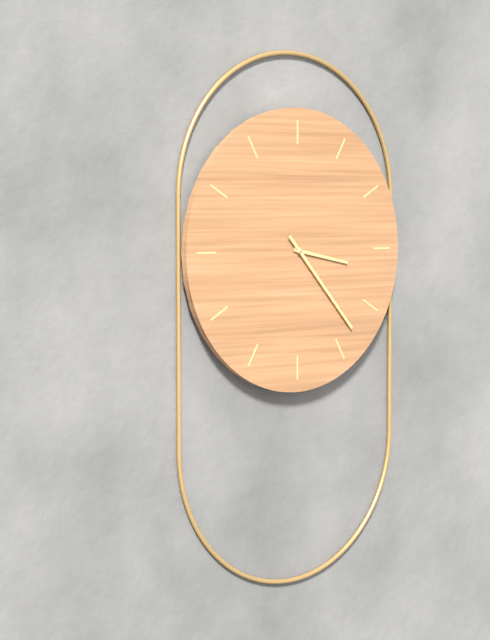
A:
3,23
